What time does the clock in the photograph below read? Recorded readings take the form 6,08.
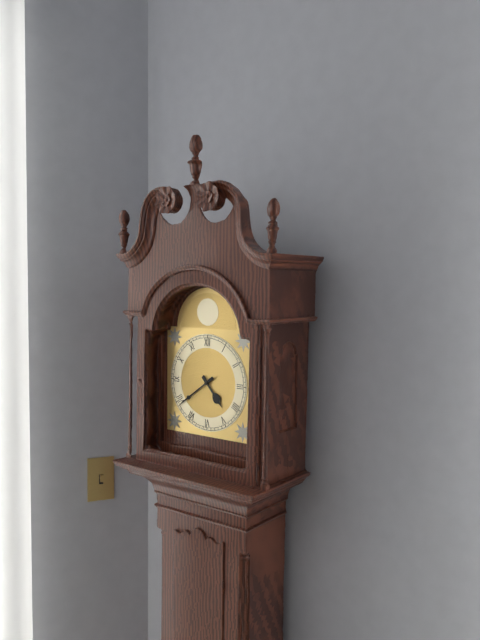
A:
4,39
